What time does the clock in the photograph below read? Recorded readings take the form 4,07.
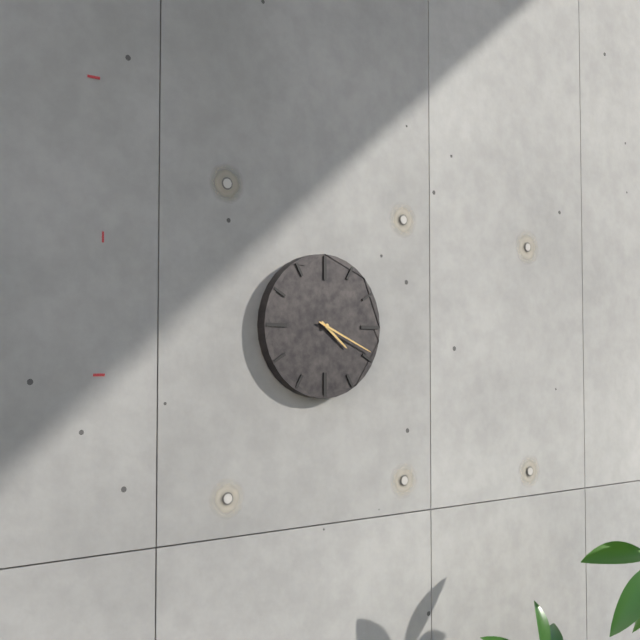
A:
4,19
